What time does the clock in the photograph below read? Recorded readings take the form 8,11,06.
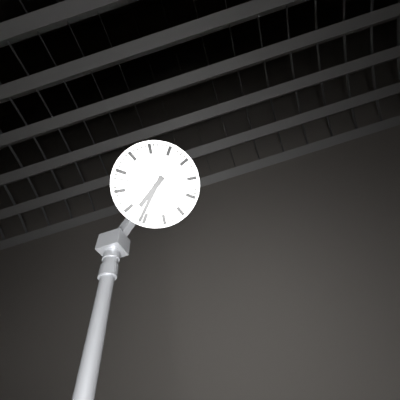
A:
7,36,48
